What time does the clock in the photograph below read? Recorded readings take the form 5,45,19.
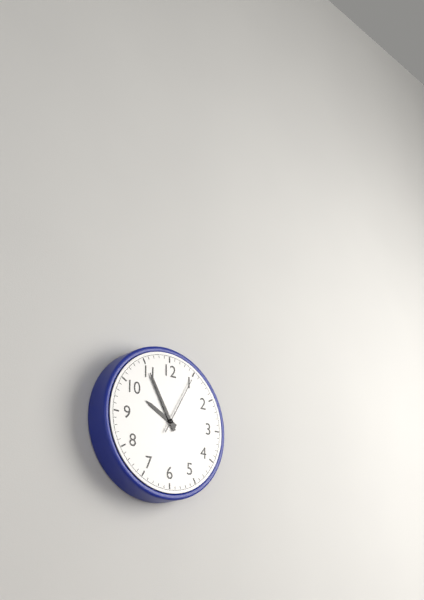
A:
9,55,05
